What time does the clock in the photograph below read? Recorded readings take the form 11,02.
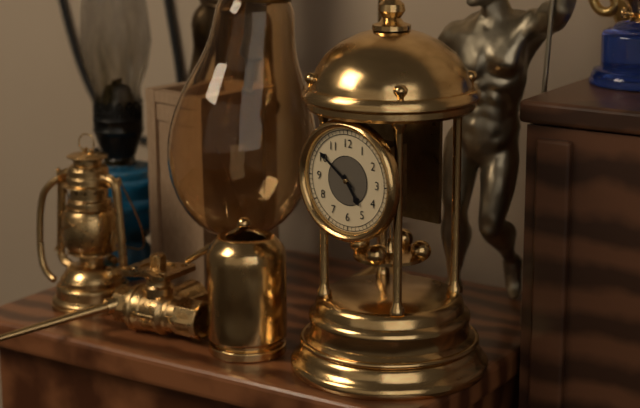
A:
4,51
